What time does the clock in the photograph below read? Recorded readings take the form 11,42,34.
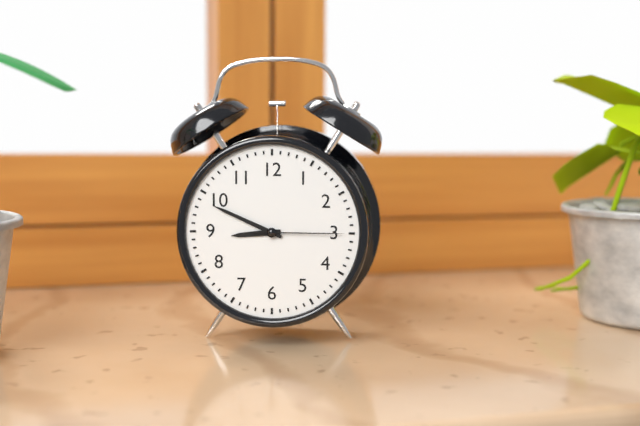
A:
8,49,15
